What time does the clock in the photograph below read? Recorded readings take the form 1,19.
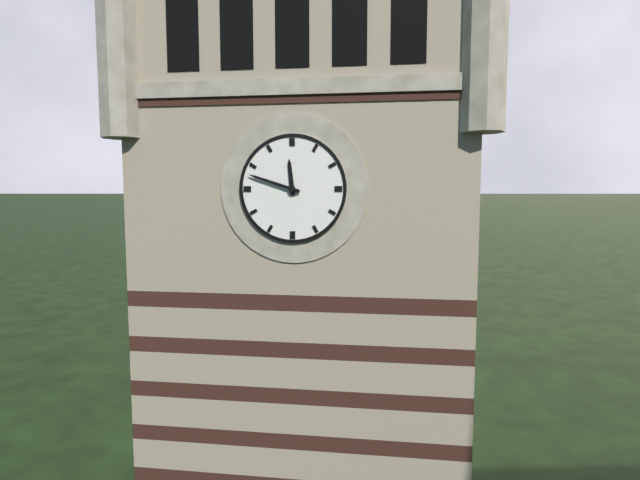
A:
11,48
